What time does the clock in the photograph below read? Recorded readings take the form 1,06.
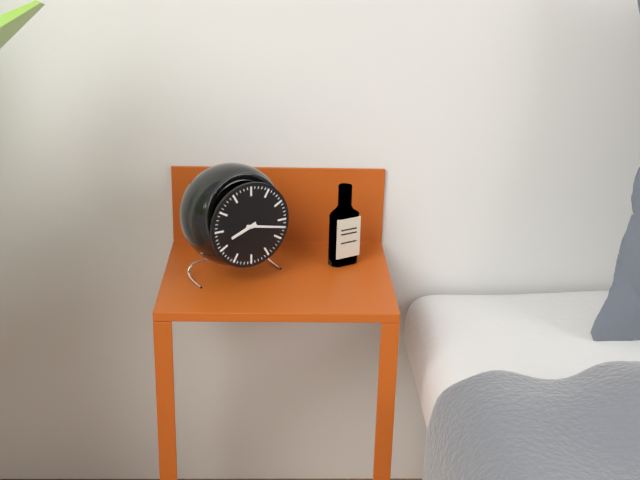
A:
8,17
